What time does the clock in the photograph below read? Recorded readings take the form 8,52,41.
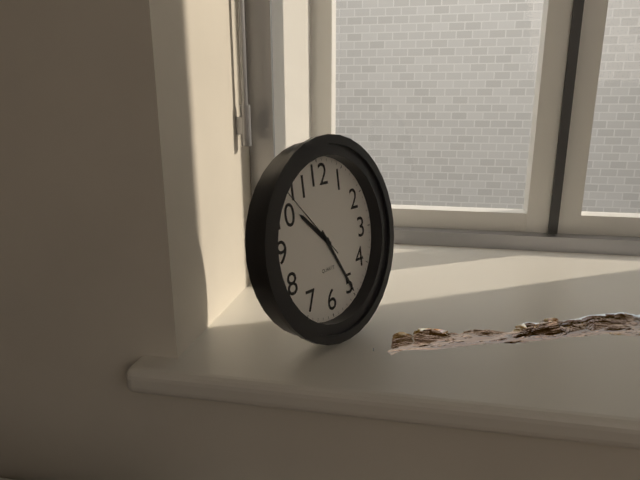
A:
10,25,53
